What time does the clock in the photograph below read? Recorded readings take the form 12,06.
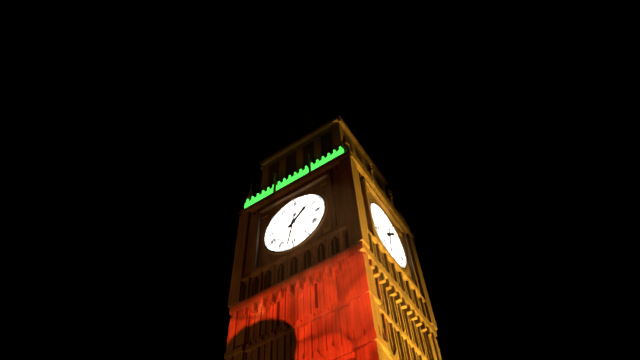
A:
1,32
